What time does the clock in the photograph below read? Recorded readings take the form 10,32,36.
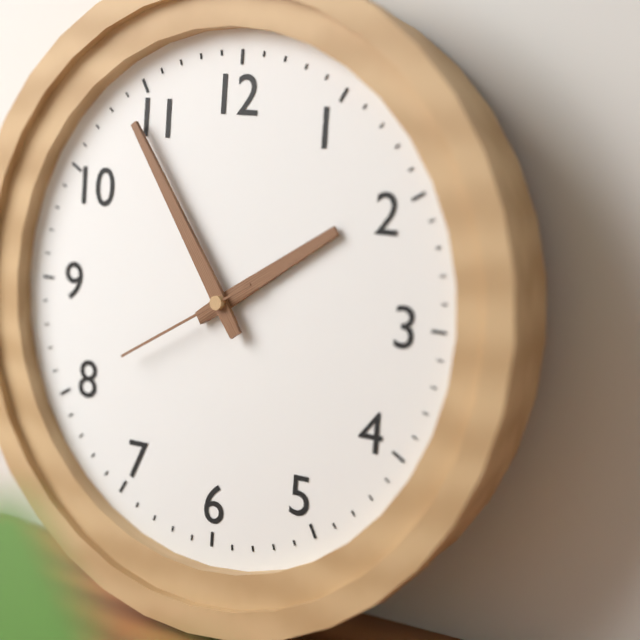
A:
1,54,40
